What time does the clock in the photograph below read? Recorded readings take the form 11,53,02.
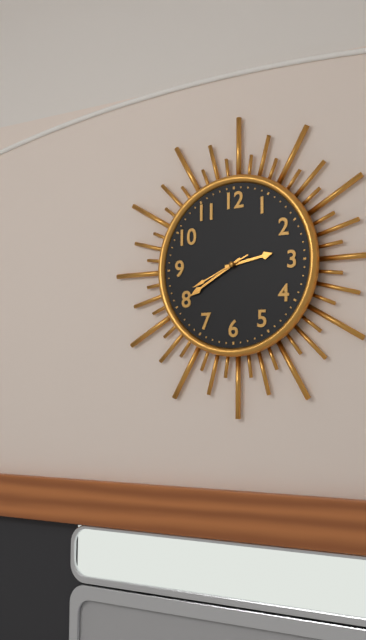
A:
2,40,41
